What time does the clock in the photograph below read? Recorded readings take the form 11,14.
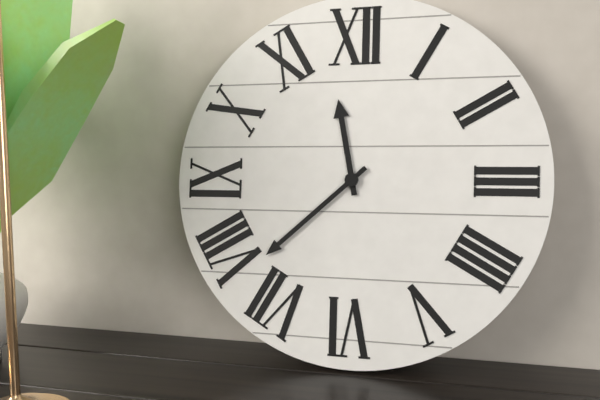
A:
11,38
